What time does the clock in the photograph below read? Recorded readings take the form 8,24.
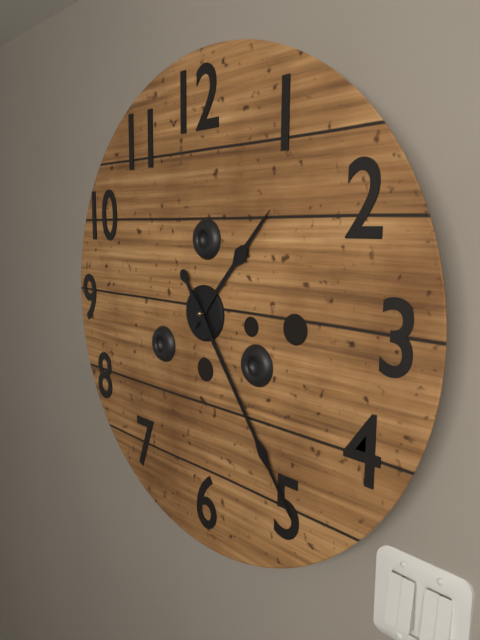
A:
1,24
